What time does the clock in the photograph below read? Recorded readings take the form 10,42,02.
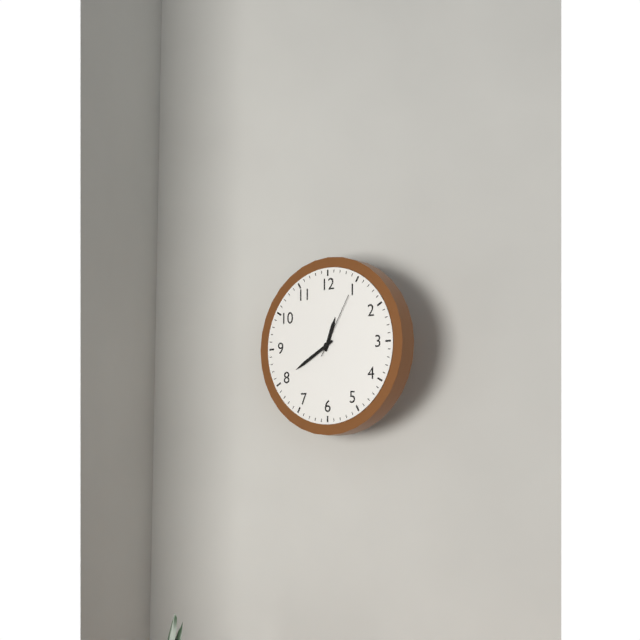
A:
12,40,05
